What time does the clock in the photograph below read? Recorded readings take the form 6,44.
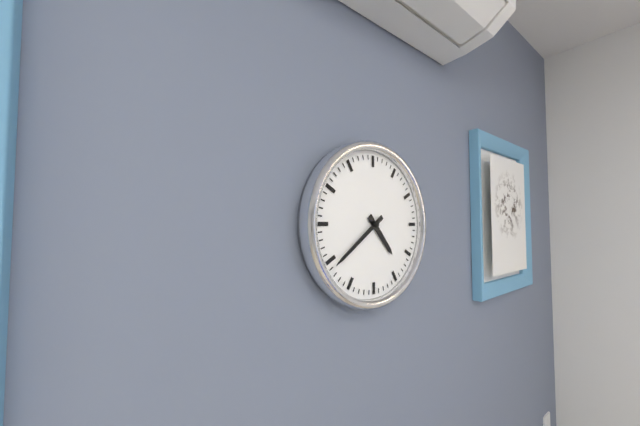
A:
4,39
